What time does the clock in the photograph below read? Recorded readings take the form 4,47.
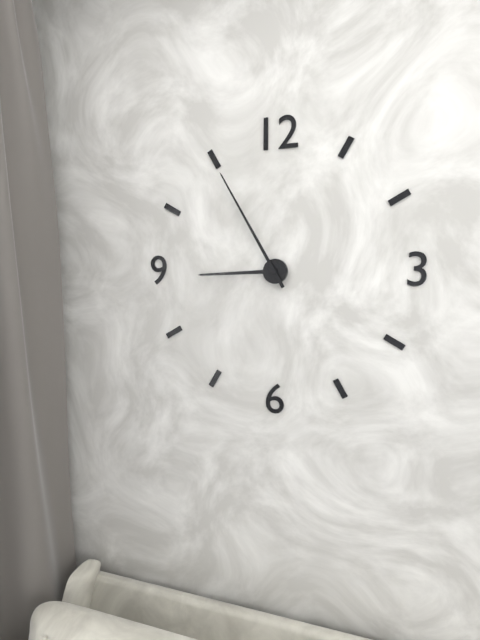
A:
8,55
